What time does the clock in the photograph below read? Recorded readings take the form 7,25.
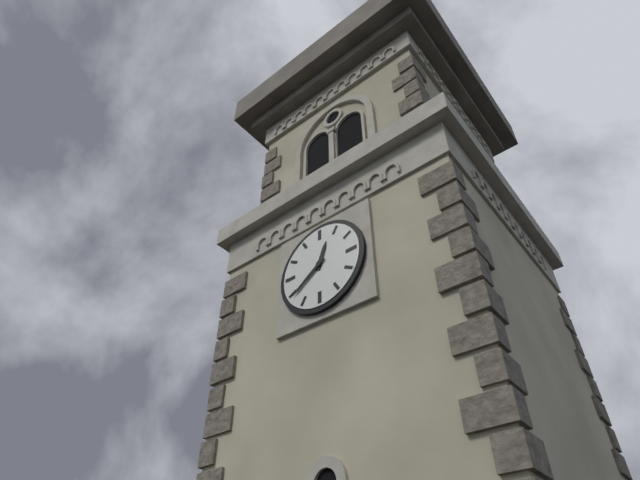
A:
12,39
